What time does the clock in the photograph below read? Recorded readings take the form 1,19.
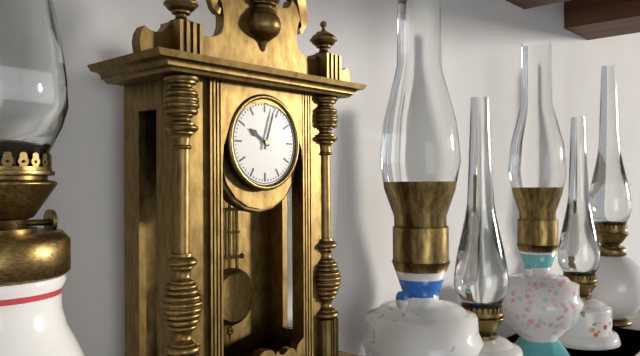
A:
10,03
